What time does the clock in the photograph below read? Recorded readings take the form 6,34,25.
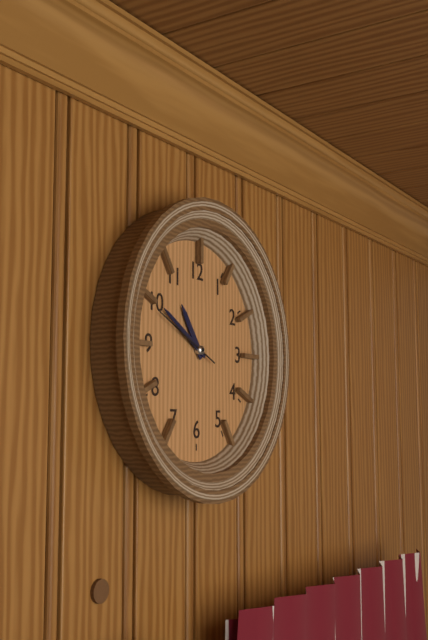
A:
10,50,49
